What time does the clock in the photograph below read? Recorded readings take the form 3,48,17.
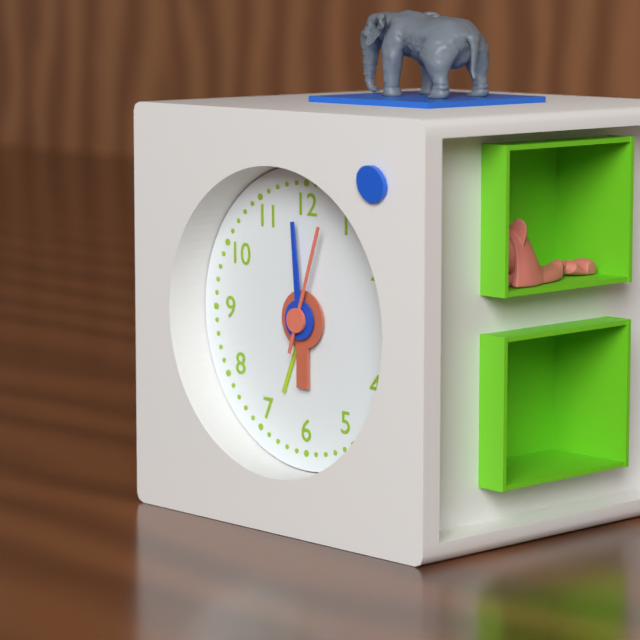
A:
5,59,03
